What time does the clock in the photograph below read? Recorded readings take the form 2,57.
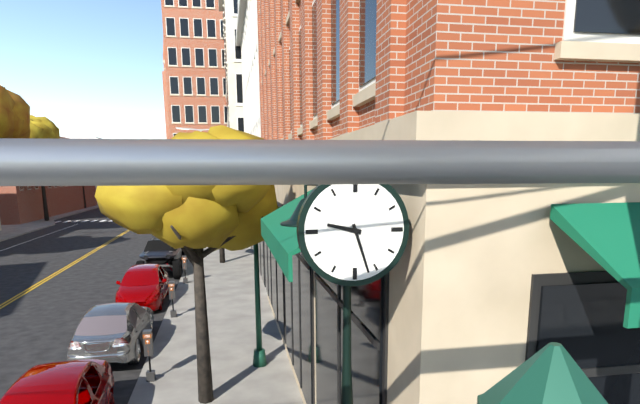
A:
9,27
